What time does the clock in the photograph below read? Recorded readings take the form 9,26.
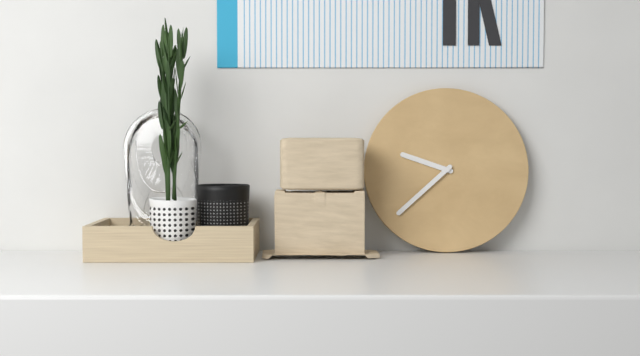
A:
9,38
